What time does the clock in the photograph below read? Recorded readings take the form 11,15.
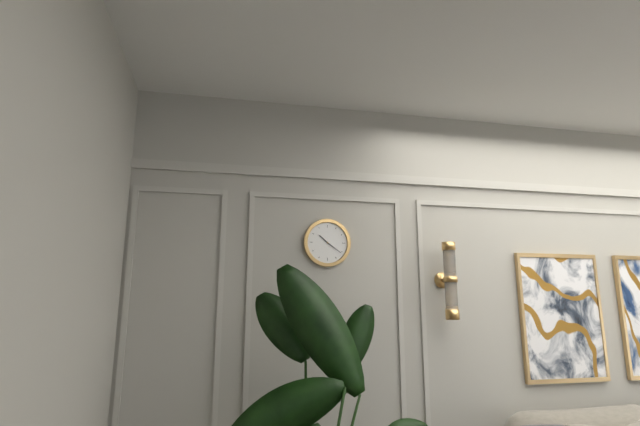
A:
10,21
